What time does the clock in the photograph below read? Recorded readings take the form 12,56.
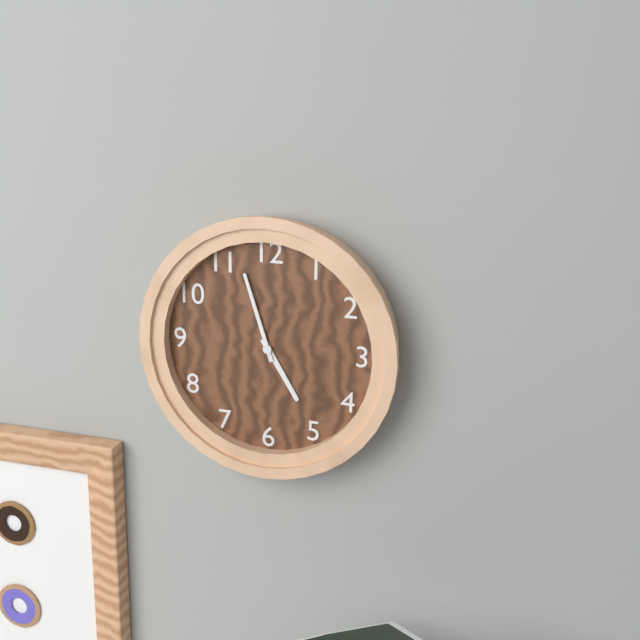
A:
4,57
